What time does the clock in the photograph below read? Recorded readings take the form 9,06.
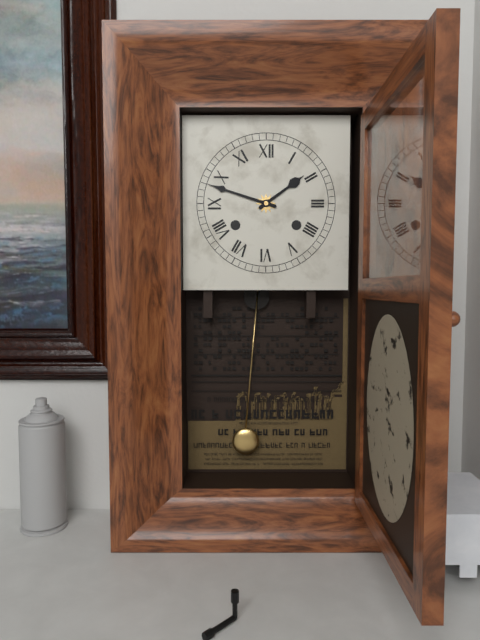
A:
1,48
